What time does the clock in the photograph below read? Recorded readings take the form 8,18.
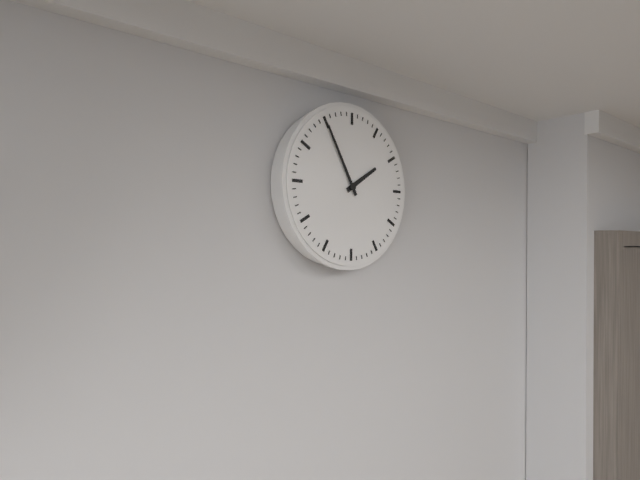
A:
1,55
